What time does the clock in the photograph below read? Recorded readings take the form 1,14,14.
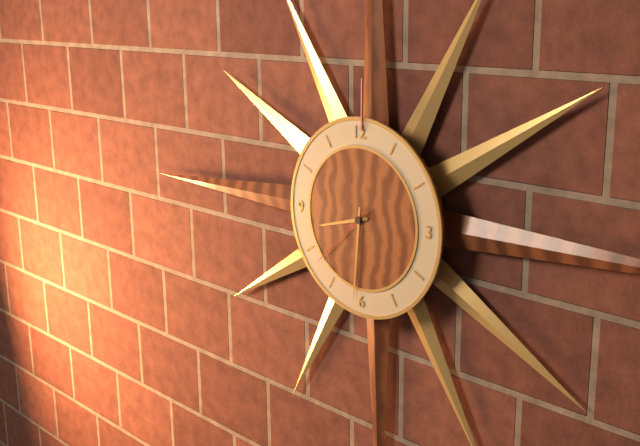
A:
8,31,38
